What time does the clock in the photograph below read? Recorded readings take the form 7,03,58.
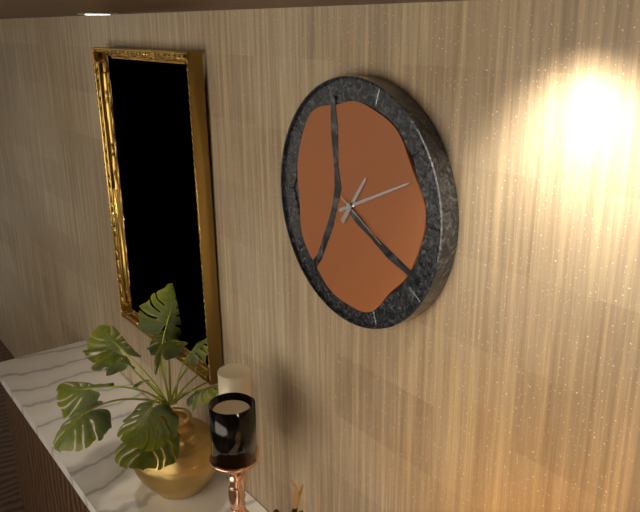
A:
1,11,20
